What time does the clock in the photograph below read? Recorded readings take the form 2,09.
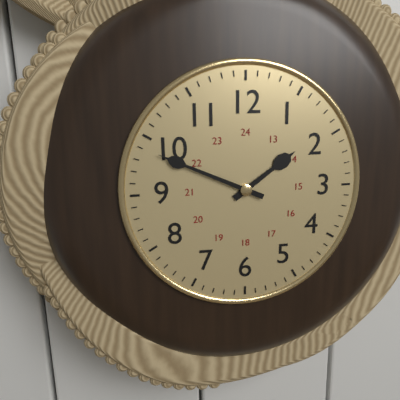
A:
1,49
